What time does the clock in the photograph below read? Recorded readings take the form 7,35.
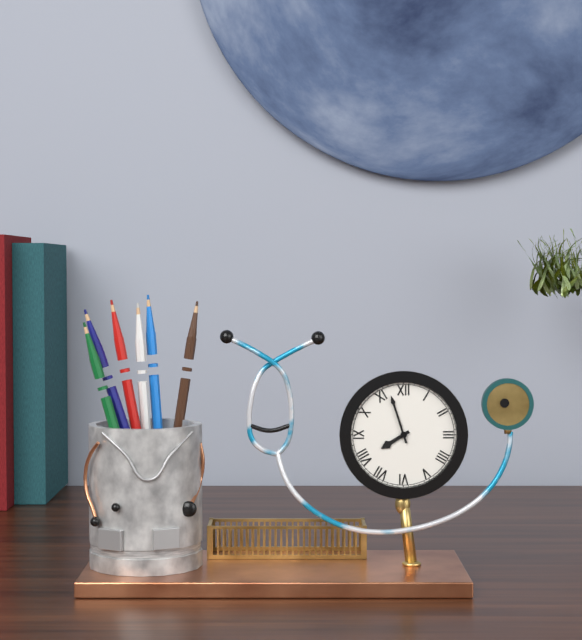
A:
7,57
